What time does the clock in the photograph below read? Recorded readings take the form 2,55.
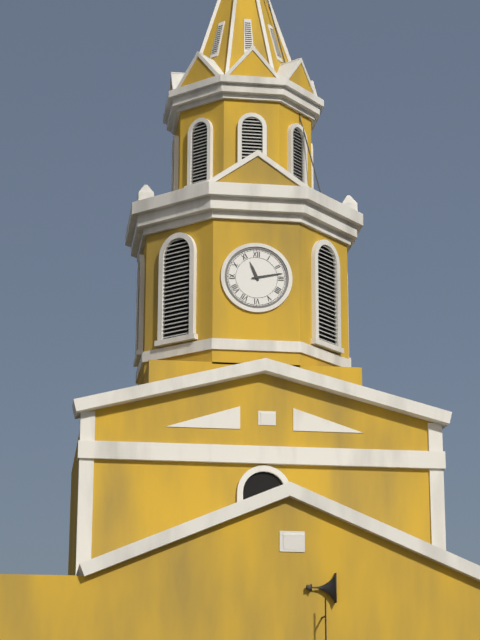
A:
11,13
